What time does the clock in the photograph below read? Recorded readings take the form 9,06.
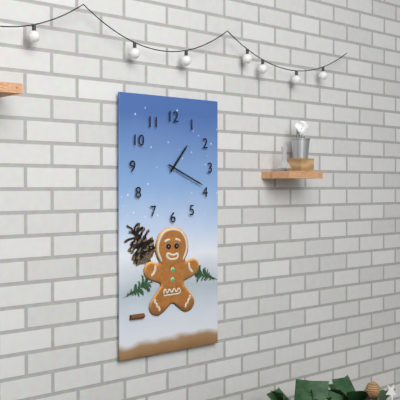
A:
1,19
